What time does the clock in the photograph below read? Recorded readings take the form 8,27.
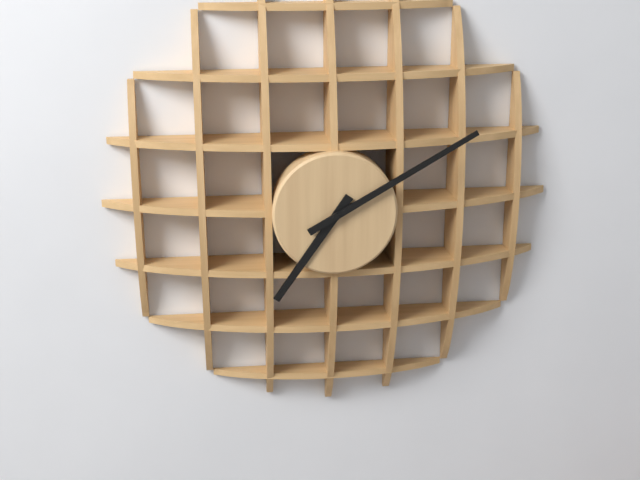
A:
7,10
